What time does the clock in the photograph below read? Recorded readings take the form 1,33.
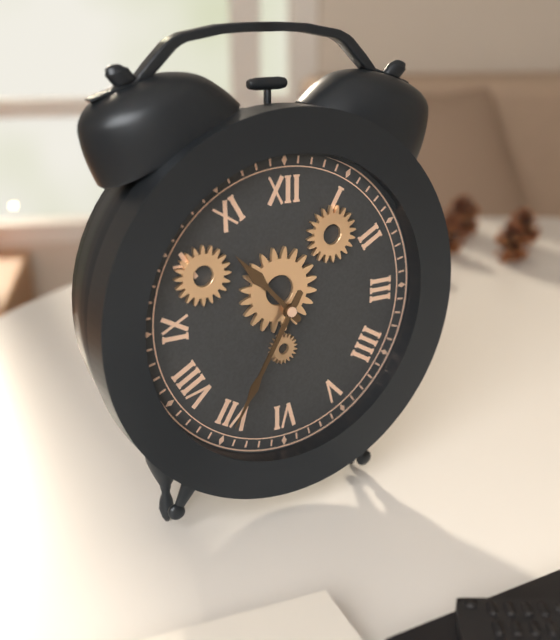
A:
10,35
